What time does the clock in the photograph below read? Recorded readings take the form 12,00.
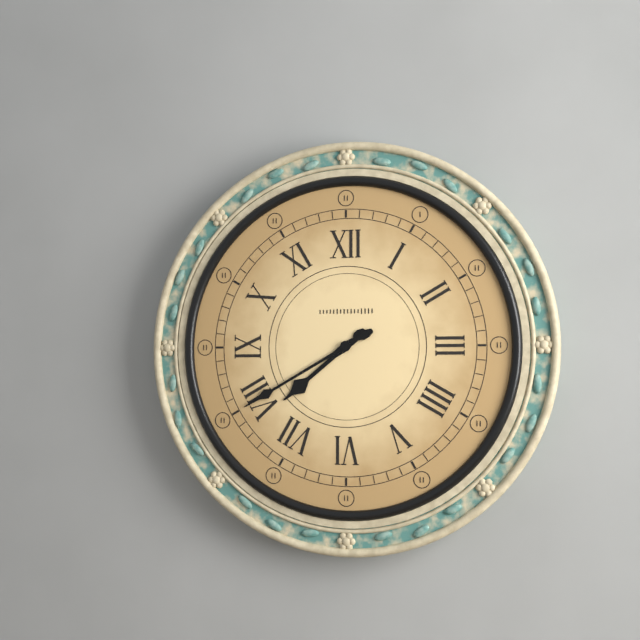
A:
7,40
